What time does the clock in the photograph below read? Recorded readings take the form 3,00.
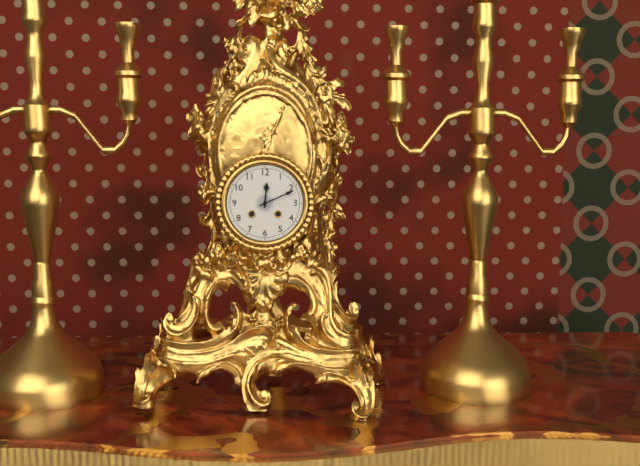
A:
12,11
